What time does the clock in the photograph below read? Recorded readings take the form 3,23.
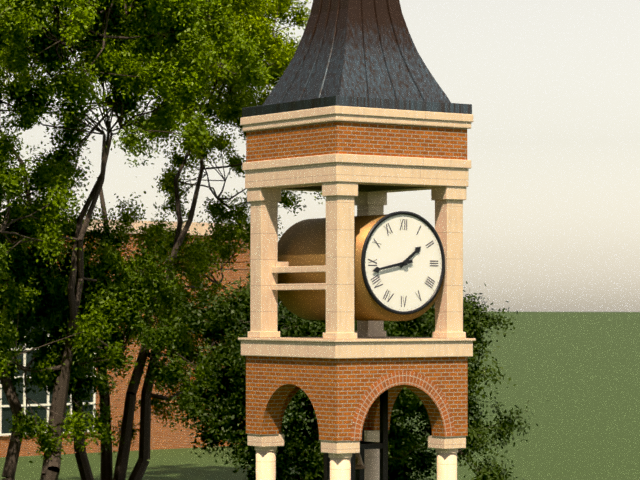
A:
1,43
